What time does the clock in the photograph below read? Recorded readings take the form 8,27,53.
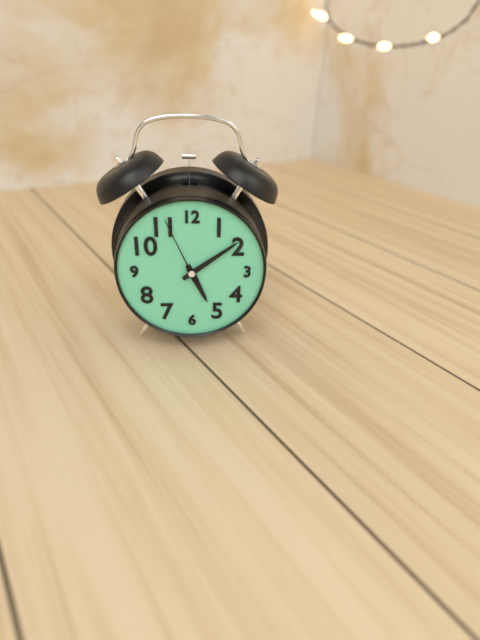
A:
5,09,56
